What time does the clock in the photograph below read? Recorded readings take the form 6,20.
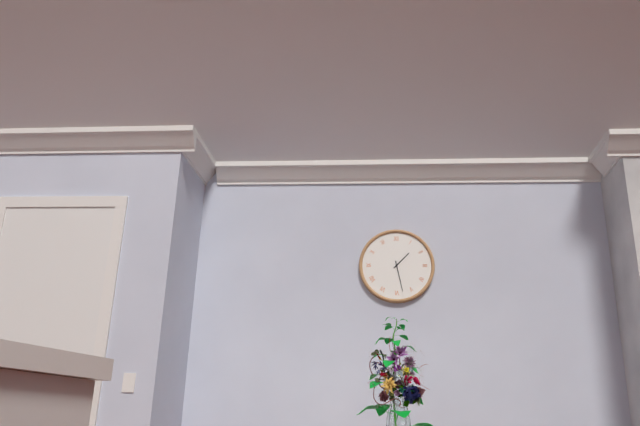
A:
1,28
